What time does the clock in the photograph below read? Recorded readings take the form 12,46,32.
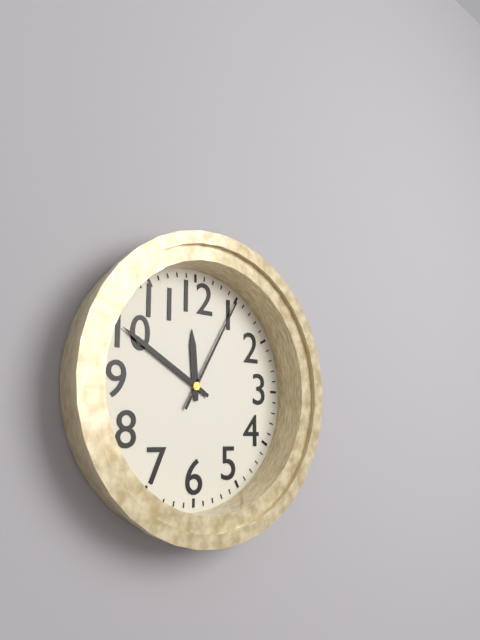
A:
11,50,05
